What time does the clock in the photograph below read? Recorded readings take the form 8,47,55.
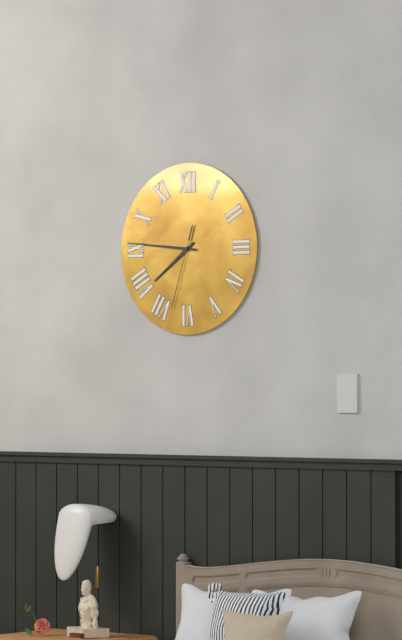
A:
7,46,33
